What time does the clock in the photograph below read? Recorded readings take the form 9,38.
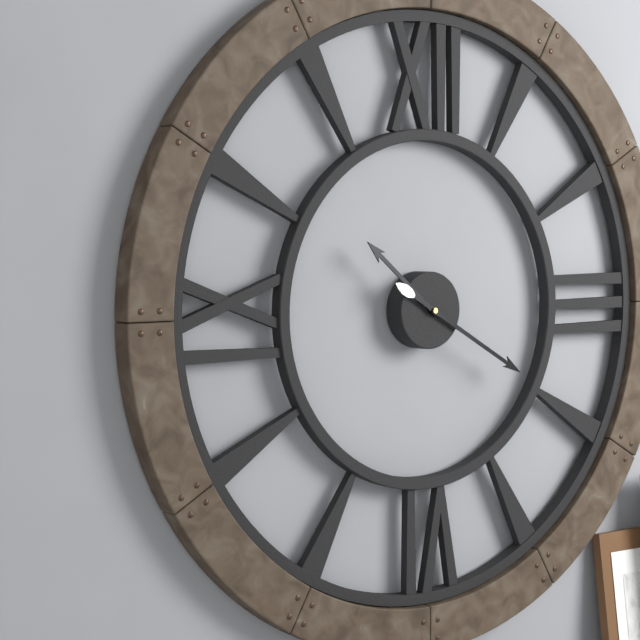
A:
10,20
